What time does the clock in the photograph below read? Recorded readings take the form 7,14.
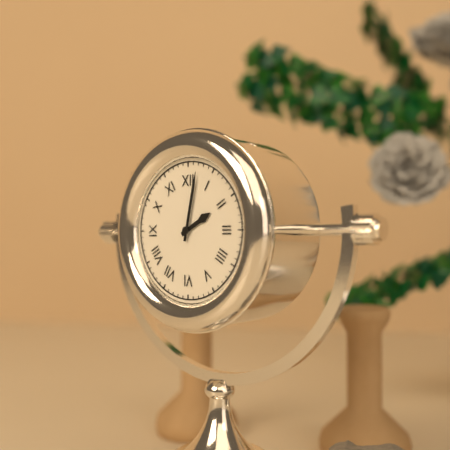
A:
2,02
